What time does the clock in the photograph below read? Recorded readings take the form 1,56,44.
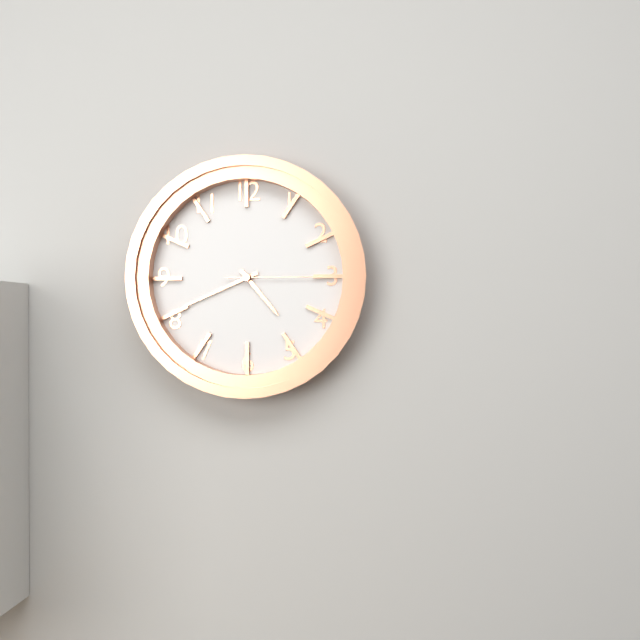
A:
4,41,15
